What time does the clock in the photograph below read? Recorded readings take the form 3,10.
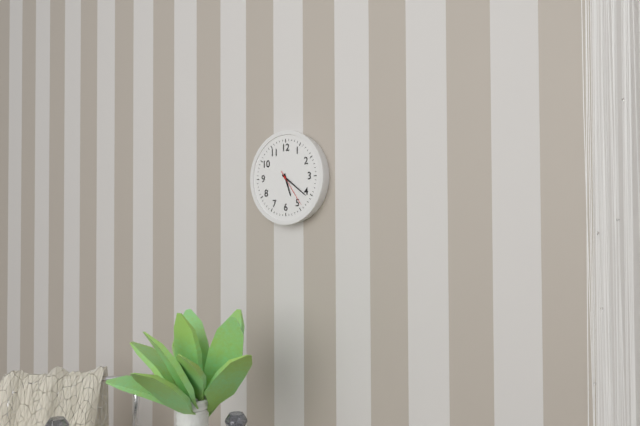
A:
5,21
